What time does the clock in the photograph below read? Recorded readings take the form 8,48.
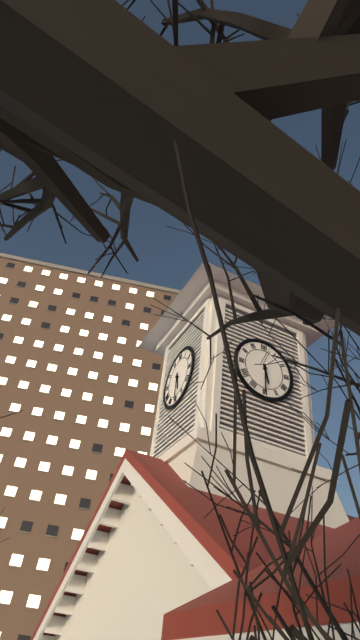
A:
5,30
